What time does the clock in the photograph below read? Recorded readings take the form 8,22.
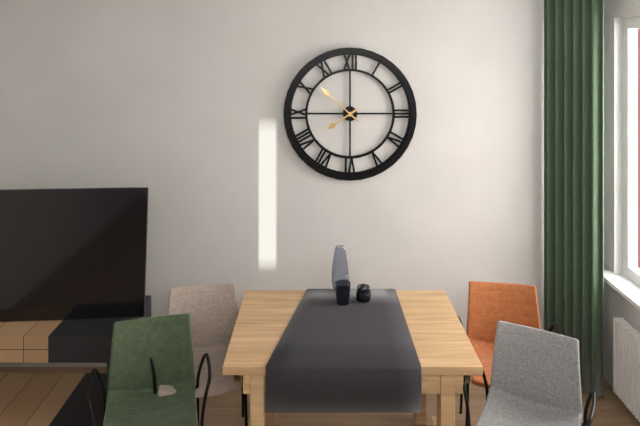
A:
7,52
